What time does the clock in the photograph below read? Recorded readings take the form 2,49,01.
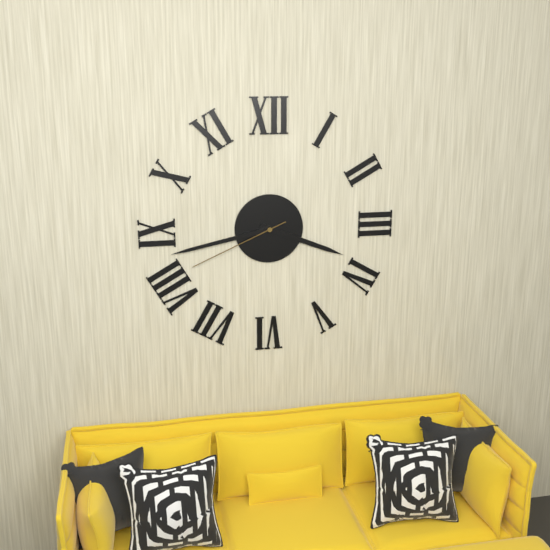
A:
3,43,41
